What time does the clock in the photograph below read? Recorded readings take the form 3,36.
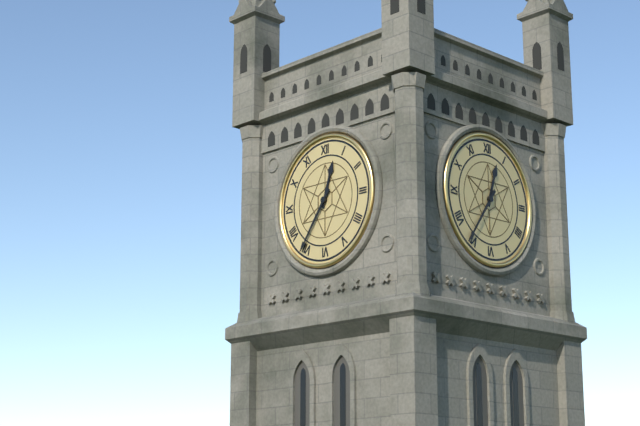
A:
12,36
